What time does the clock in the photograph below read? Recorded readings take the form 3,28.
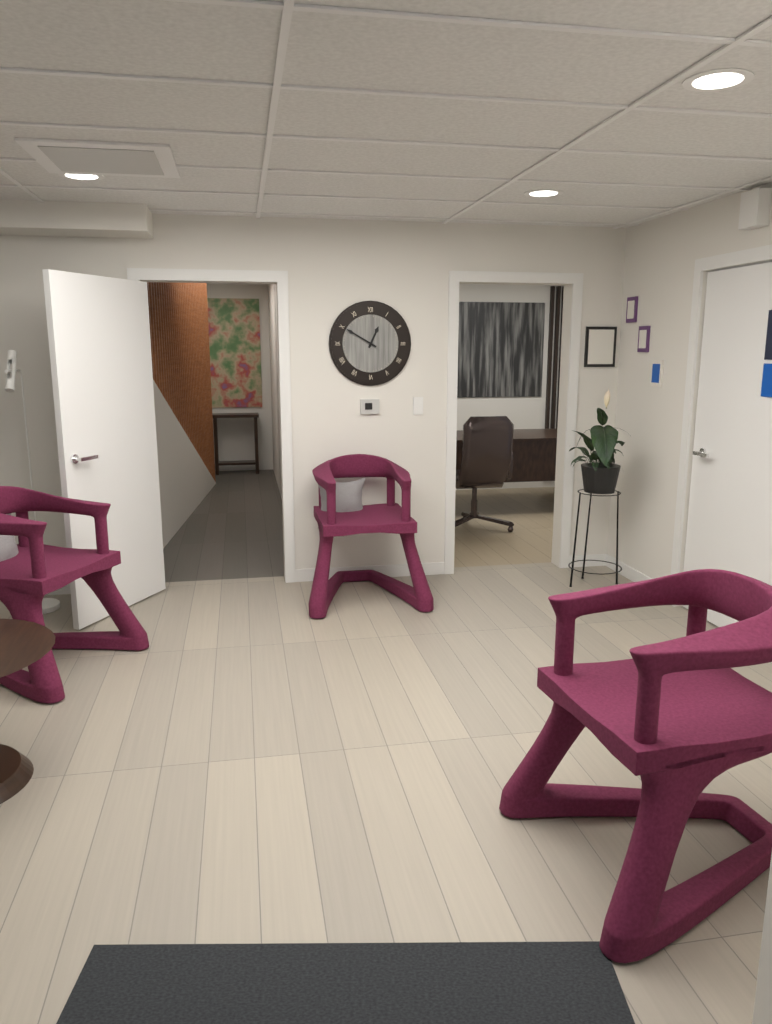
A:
12,50
